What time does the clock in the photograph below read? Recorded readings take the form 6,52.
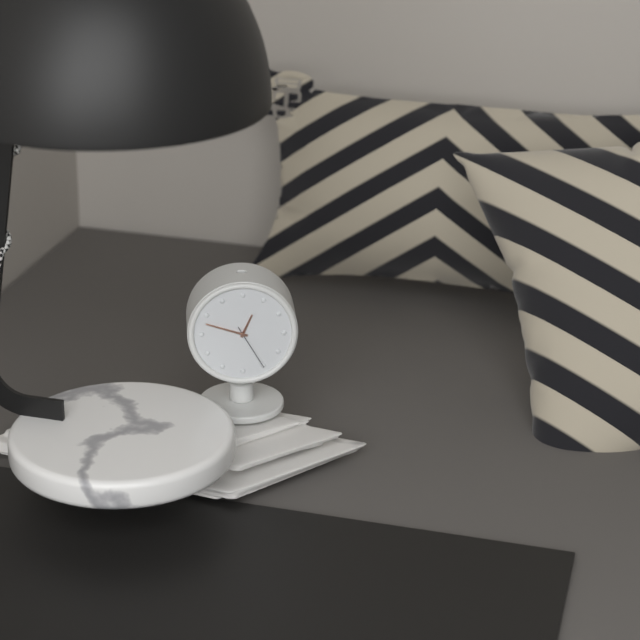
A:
12,48
